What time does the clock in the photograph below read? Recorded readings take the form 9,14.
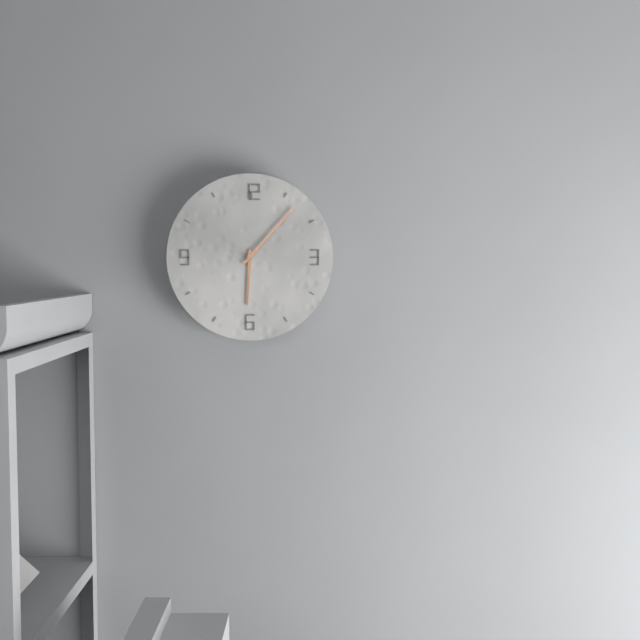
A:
6,07
